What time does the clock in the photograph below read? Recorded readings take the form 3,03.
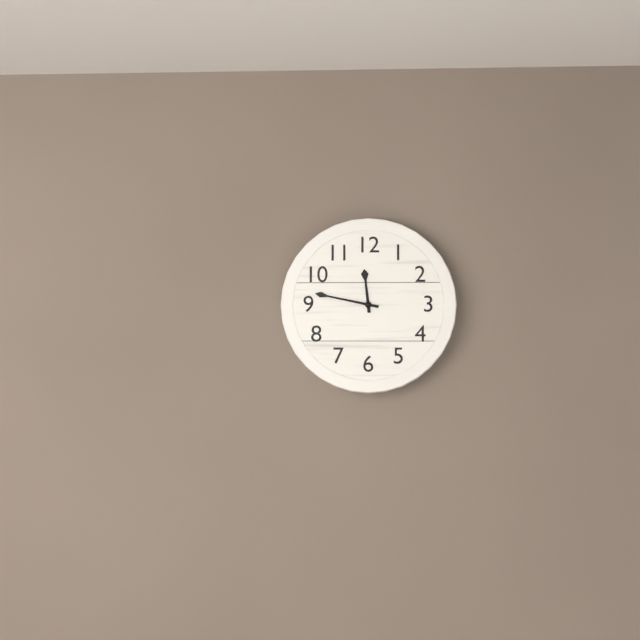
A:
11,47
